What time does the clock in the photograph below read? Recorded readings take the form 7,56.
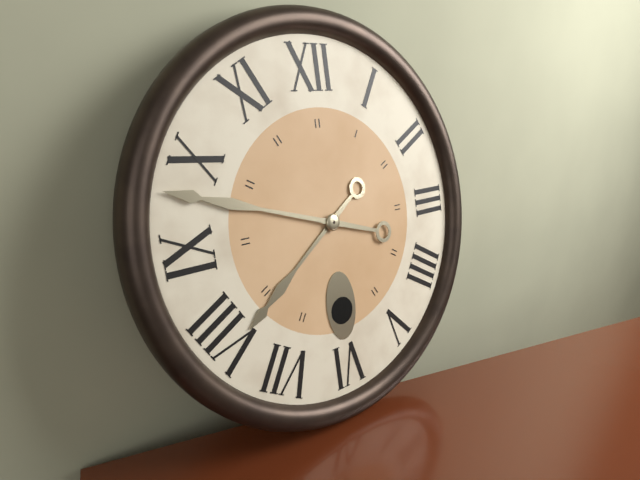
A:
7,48
